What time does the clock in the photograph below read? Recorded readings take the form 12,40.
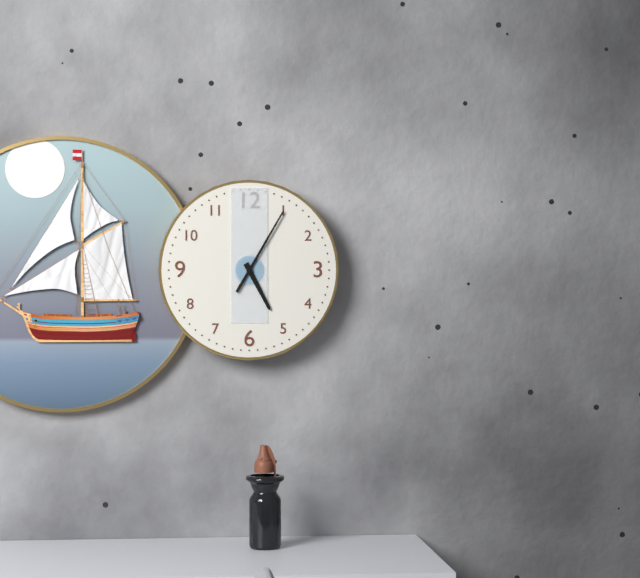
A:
5,05
